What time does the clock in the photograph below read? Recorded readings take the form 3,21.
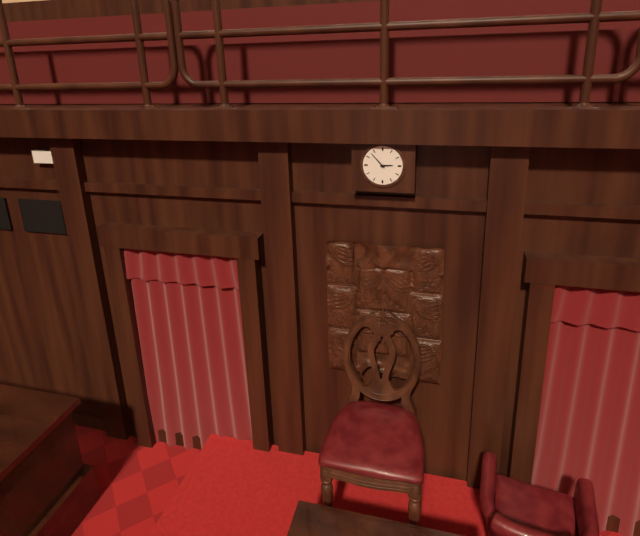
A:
2,53
